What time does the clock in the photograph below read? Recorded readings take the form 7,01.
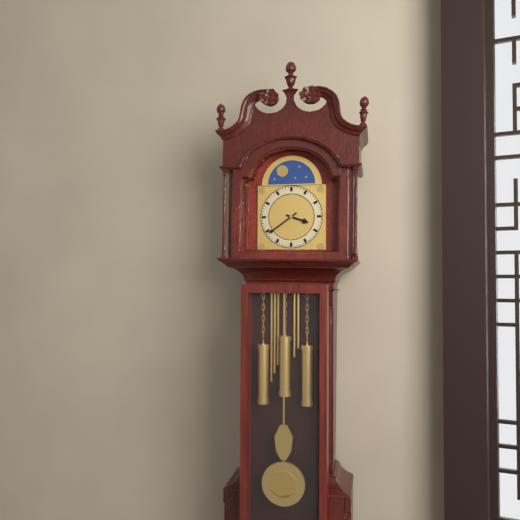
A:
3,39
